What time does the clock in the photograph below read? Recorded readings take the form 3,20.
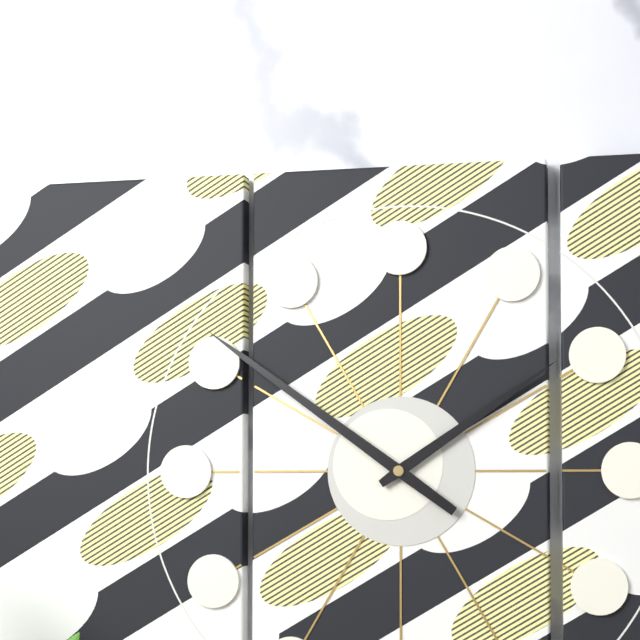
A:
1,51
